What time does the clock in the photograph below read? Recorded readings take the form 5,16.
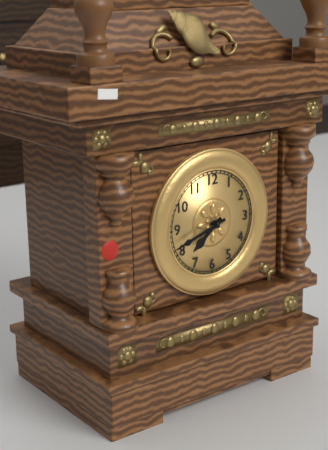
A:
7,42
